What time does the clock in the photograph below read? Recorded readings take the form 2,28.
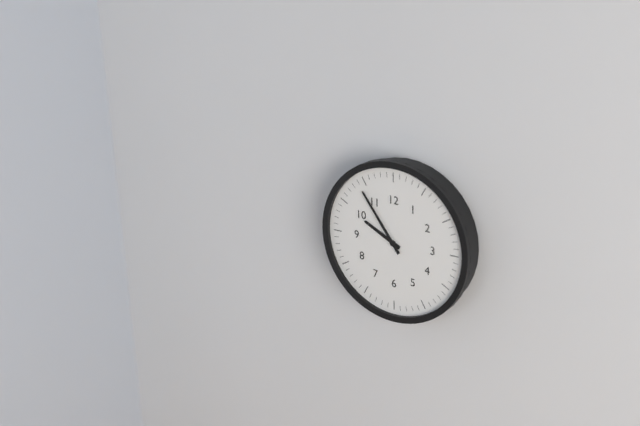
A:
9,54
